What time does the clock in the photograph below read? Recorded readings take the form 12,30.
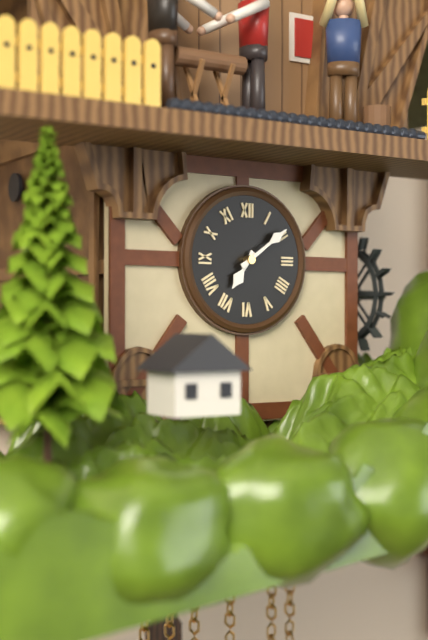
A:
7,09
